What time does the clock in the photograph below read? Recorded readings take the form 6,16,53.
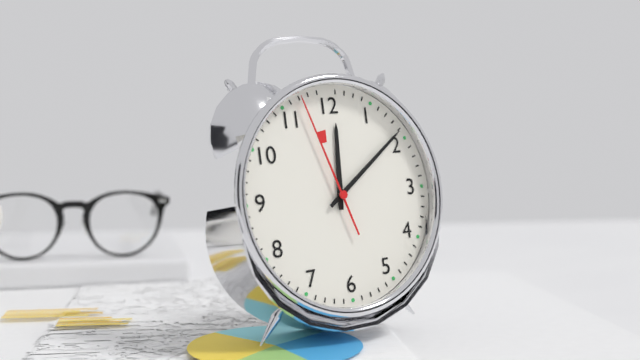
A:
12,09,57
